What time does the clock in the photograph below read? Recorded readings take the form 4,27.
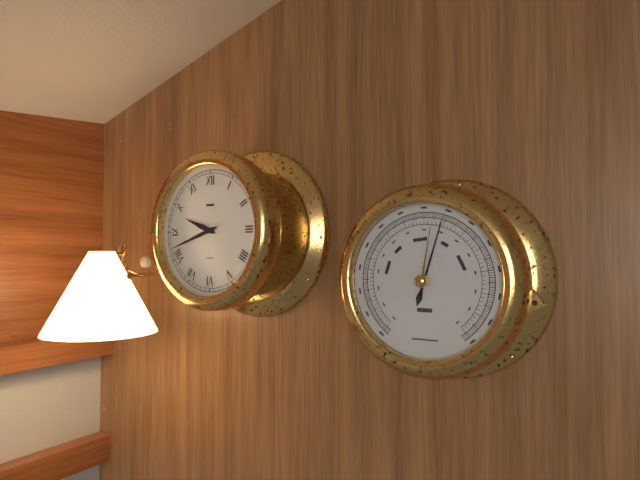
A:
9,42
